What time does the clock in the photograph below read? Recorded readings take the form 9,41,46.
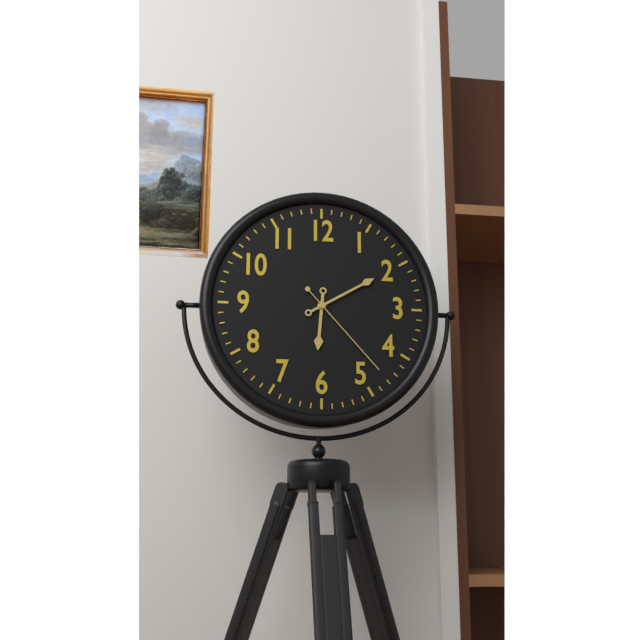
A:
6,10,23
